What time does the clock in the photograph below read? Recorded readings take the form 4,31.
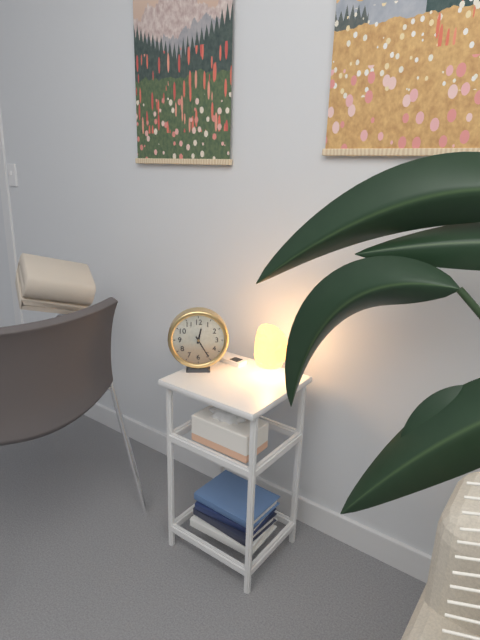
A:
12,25
